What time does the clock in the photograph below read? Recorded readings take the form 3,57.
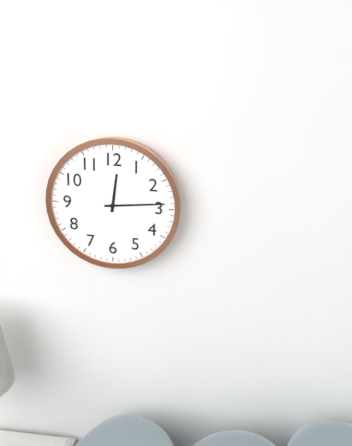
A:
12,14
